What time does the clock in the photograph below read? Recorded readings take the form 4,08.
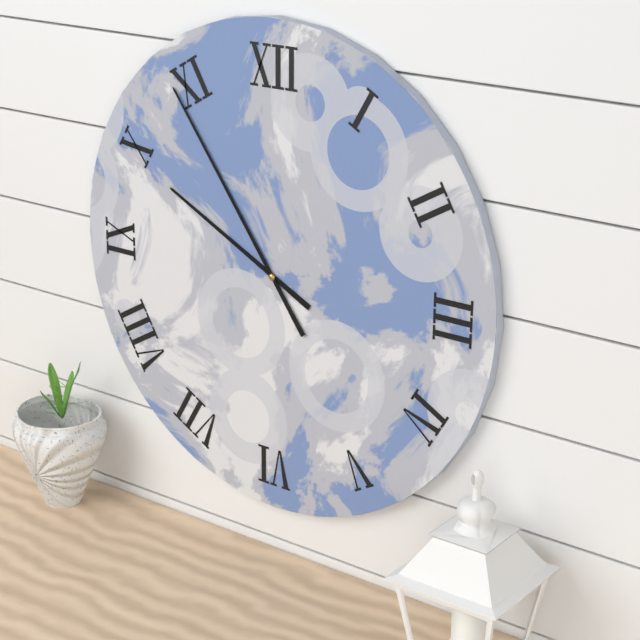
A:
9,54
